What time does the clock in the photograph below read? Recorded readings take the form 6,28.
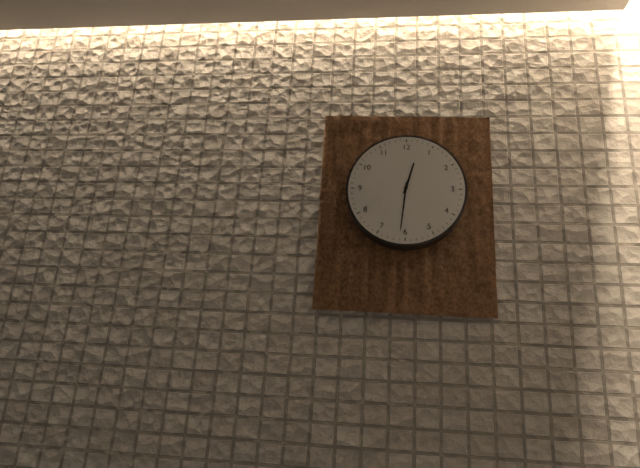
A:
12,31
